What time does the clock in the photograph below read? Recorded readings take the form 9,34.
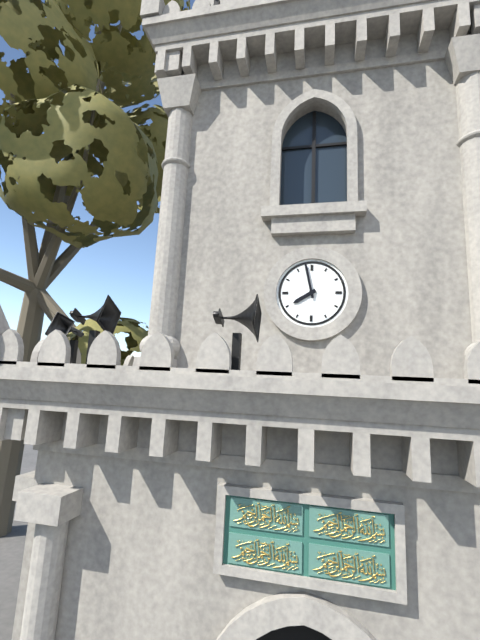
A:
7,58
